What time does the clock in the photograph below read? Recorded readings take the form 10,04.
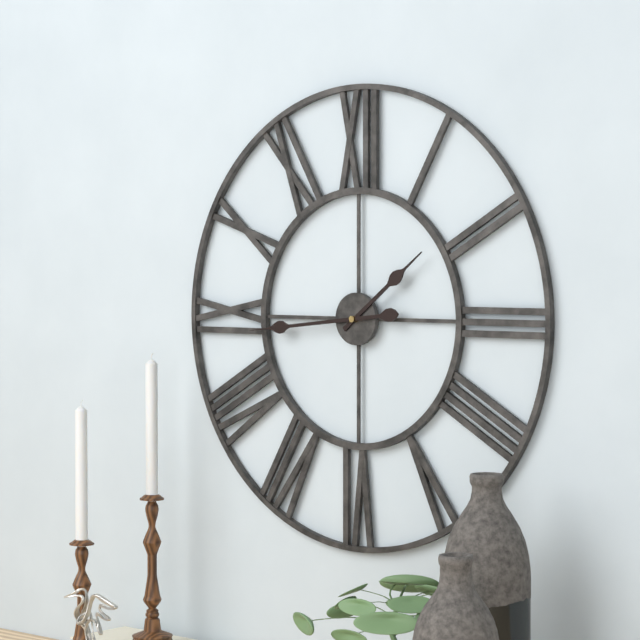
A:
1,44
